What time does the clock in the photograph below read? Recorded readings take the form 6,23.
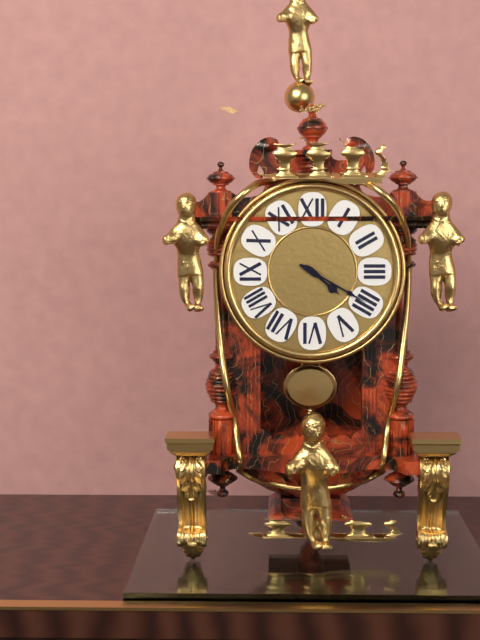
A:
4,20
